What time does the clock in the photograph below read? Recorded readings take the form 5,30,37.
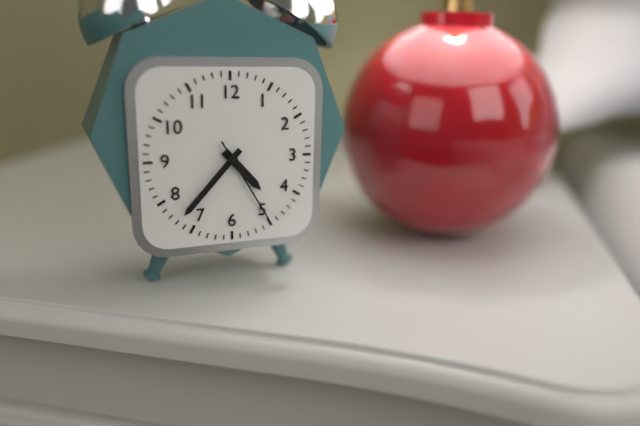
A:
4,37,25
